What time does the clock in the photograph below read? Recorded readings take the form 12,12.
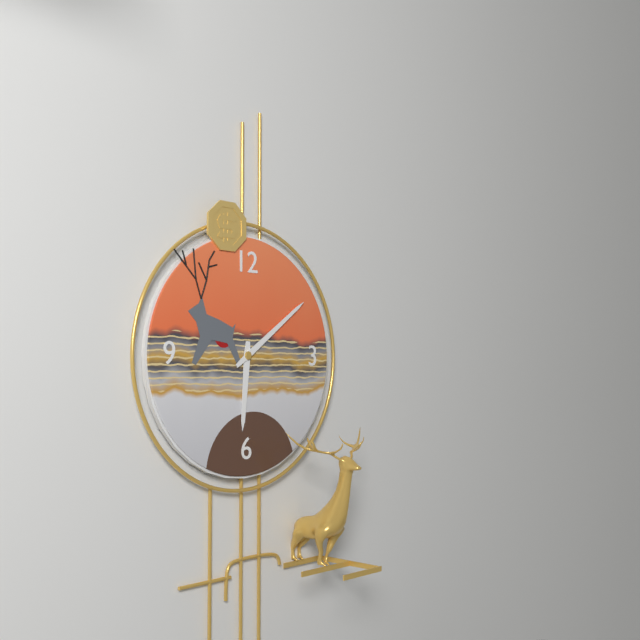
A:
6,09
